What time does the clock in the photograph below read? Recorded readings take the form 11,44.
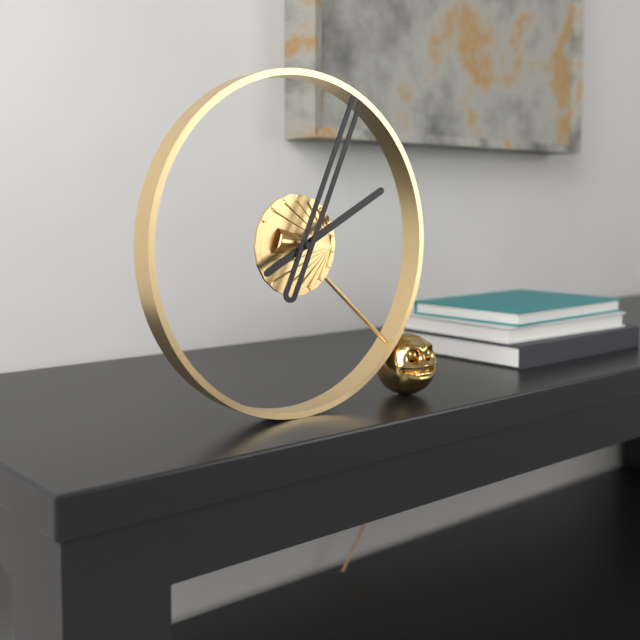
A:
2,04
